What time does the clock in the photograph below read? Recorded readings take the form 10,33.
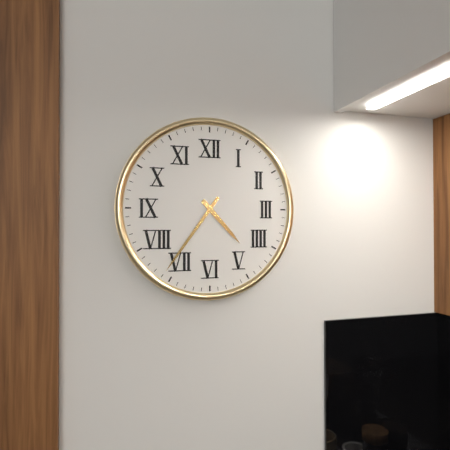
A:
4,36
